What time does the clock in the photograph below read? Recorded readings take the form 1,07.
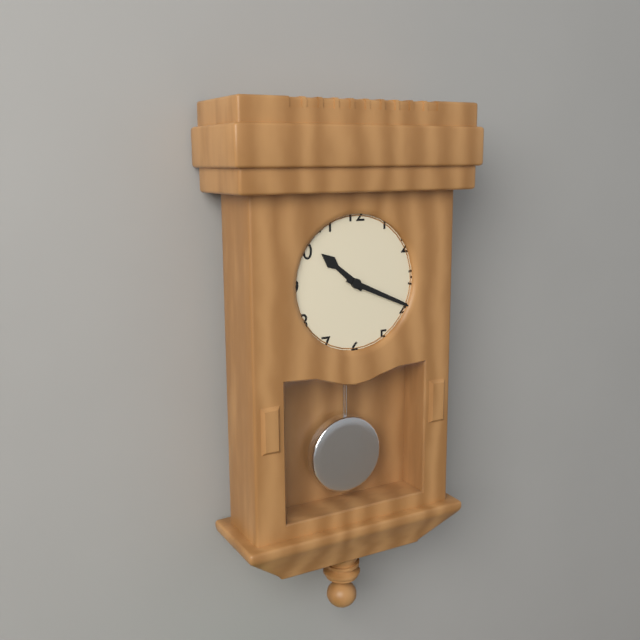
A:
10,19
